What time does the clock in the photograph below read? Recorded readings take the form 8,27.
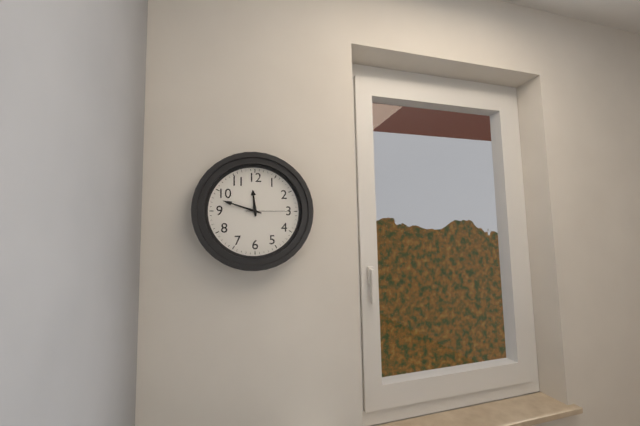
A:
11,48
